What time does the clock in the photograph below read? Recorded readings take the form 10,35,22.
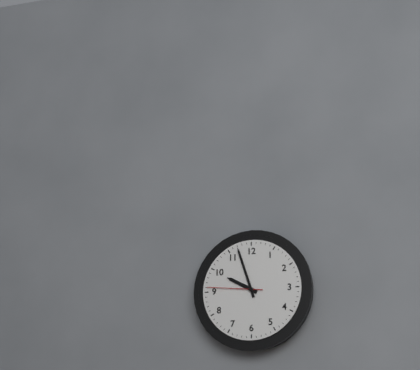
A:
9,57,46
